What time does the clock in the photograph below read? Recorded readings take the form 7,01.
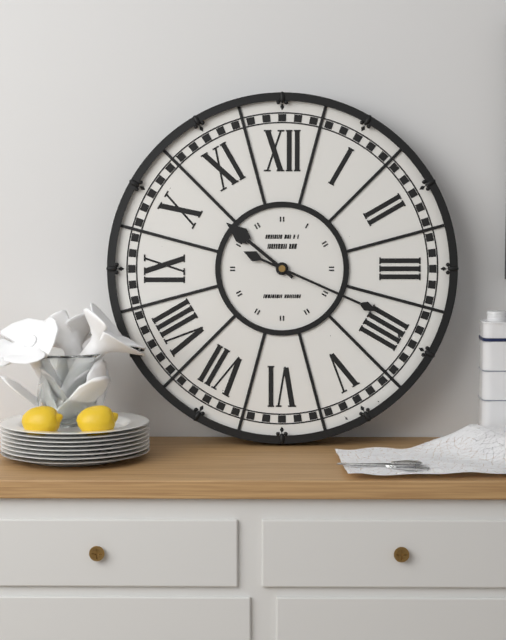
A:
10,19
